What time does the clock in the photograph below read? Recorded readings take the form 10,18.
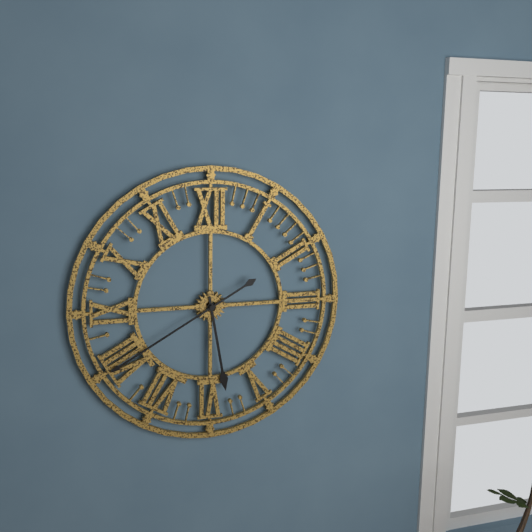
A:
5,40
